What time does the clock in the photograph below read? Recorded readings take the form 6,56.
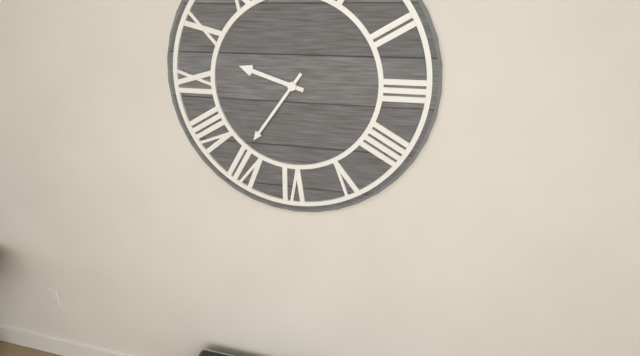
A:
9,36
